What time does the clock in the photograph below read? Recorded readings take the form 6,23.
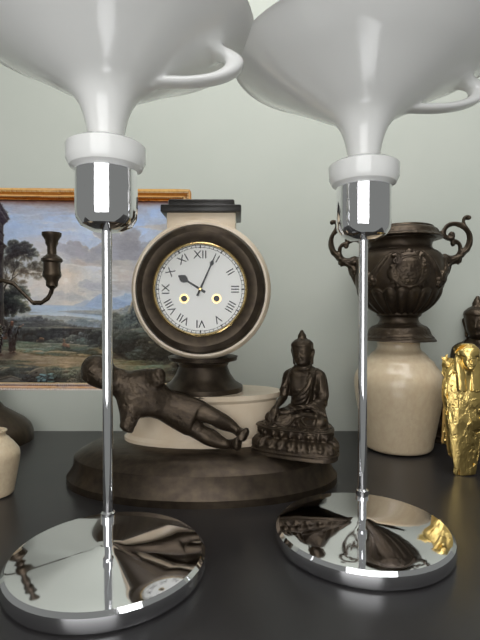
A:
10,04
